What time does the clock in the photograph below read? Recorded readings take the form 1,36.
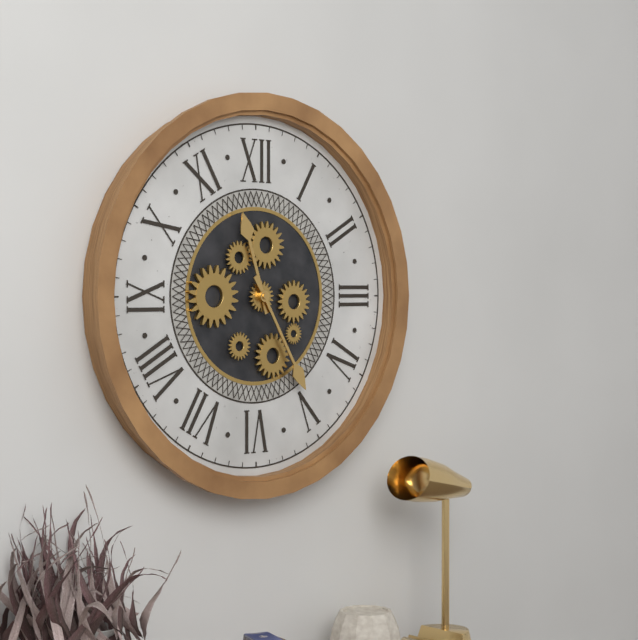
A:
11,25
